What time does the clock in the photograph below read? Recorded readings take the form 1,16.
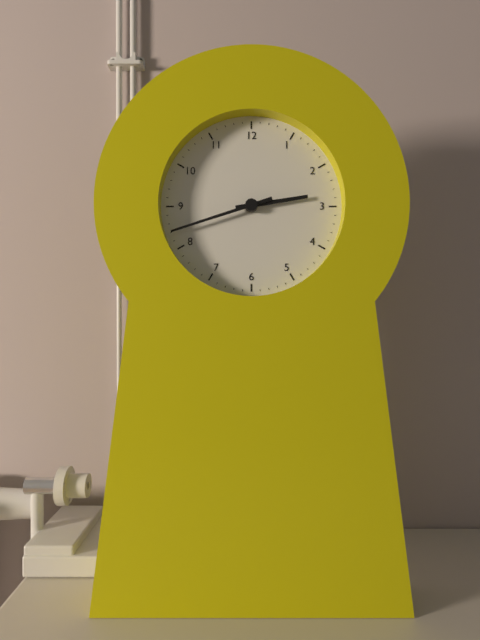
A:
2,42
